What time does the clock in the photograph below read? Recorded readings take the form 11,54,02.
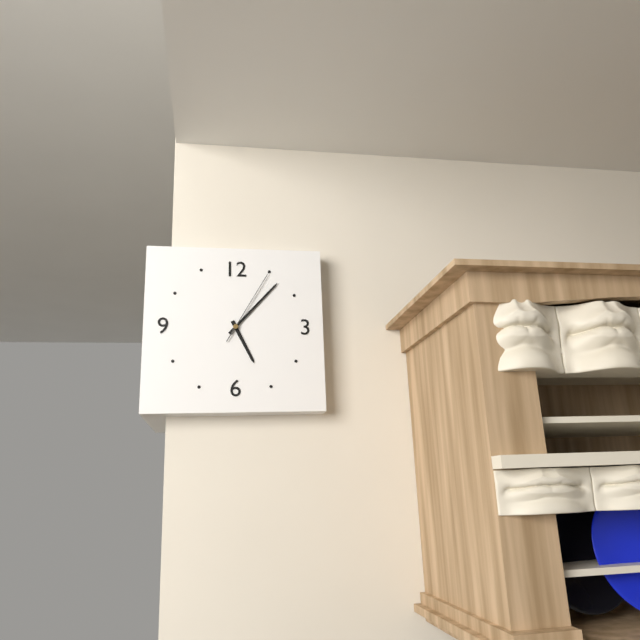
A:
5,07,05
